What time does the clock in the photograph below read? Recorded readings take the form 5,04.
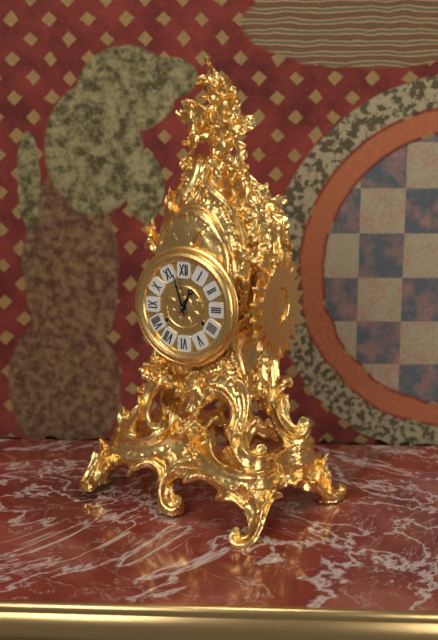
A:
12,57
